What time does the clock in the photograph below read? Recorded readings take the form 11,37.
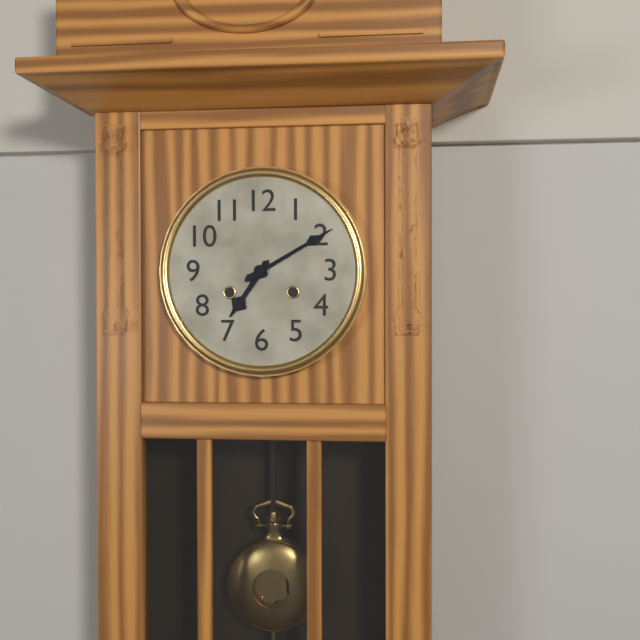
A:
7,10
